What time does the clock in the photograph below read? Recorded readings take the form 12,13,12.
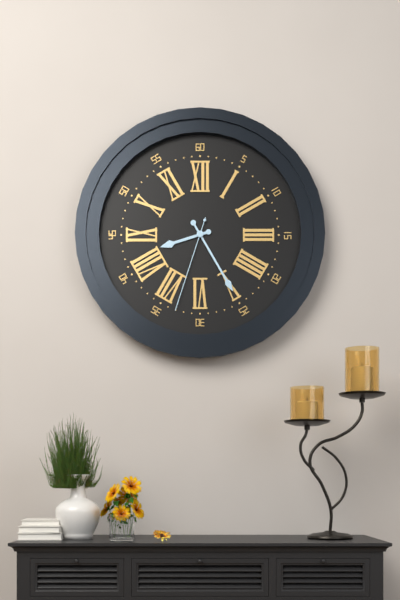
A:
8,25,33
